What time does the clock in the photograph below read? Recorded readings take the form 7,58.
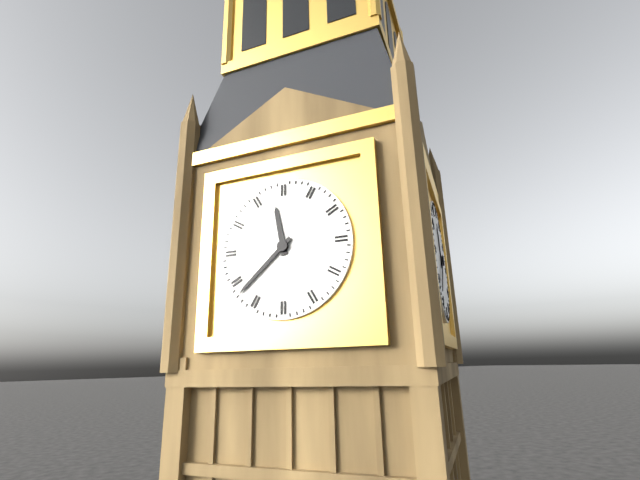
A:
11,38
